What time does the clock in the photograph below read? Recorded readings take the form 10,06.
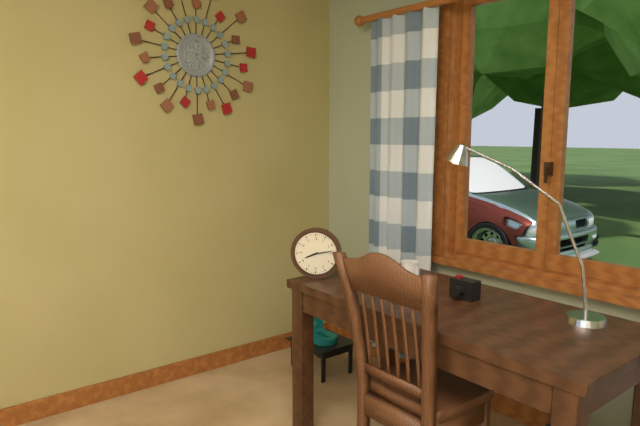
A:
8,13
